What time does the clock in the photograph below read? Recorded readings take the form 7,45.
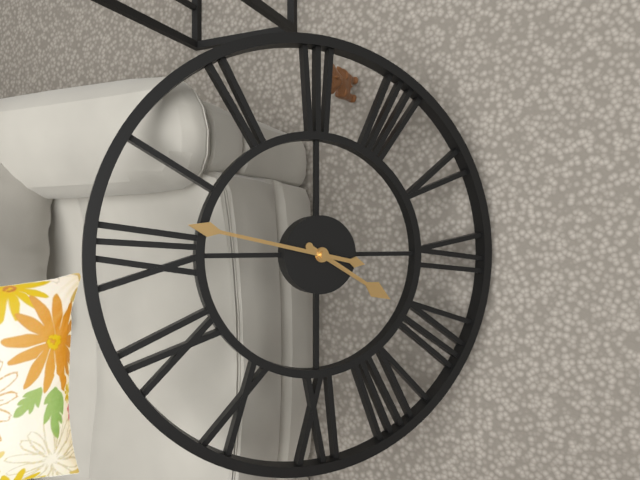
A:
7,02
